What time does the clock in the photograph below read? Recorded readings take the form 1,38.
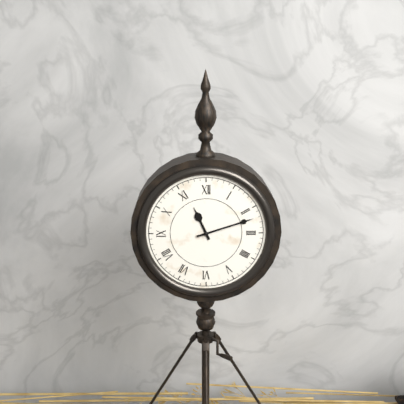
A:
11,12
